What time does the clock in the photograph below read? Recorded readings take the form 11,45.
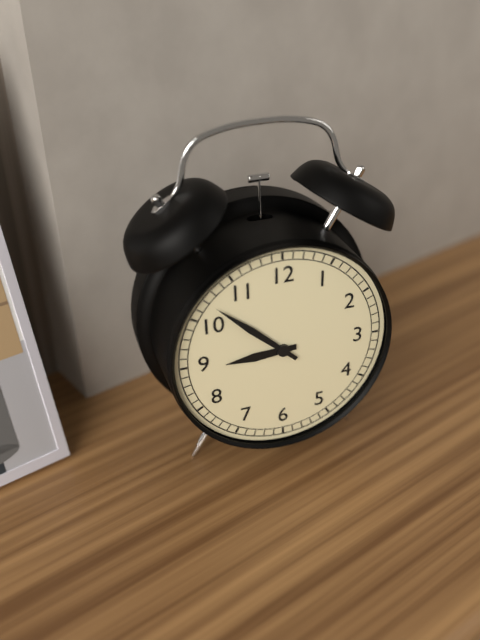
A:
8,52
